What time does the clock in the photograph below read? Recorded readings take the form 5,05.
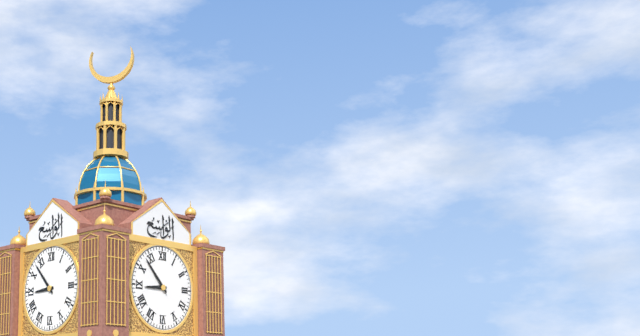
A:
8,53
